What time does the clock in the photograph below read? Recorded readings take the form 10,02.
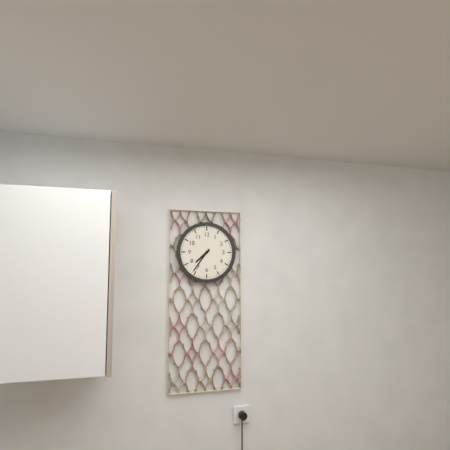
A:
7,36
